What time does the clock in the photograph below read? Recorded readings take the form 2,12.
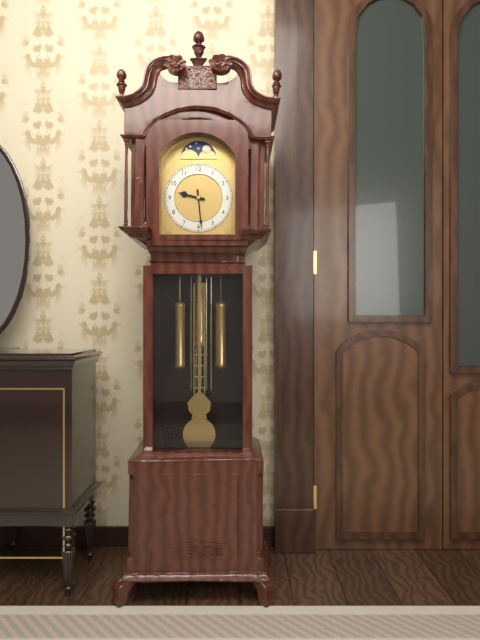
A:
9,29
